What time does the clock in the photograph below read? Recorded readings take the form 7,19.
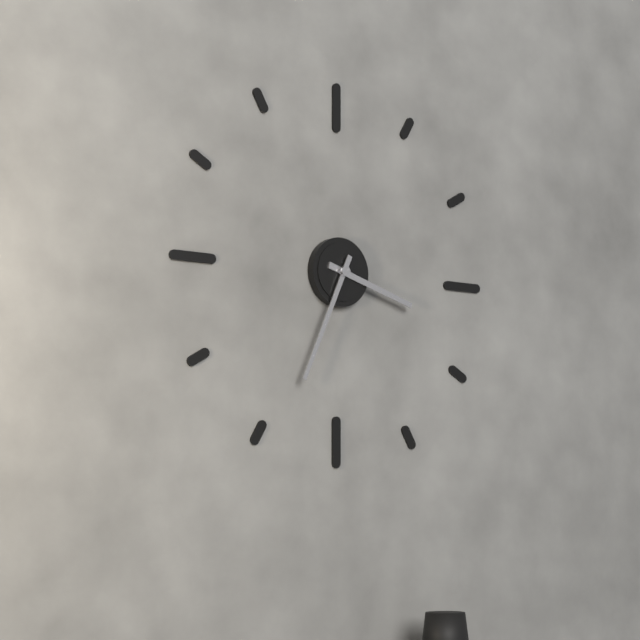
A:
3,34
